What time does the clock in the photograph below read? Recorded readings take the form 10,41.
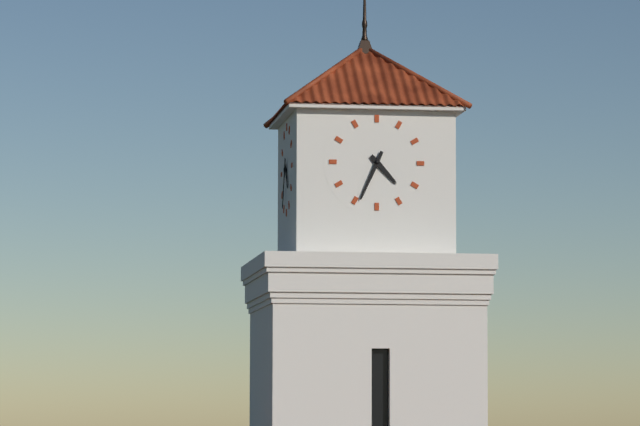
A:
4,34
